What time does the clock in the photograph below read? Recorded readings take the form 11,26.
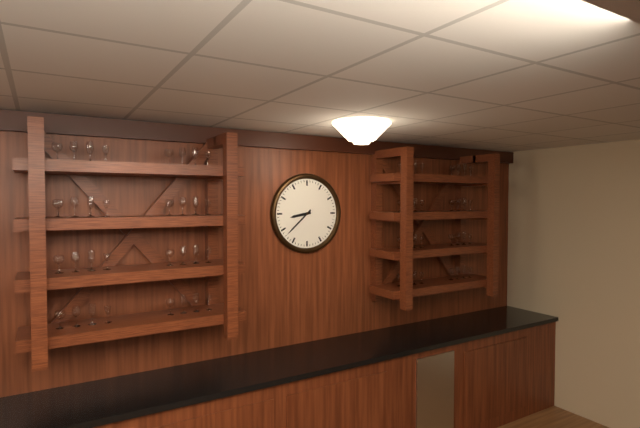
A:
8,38
